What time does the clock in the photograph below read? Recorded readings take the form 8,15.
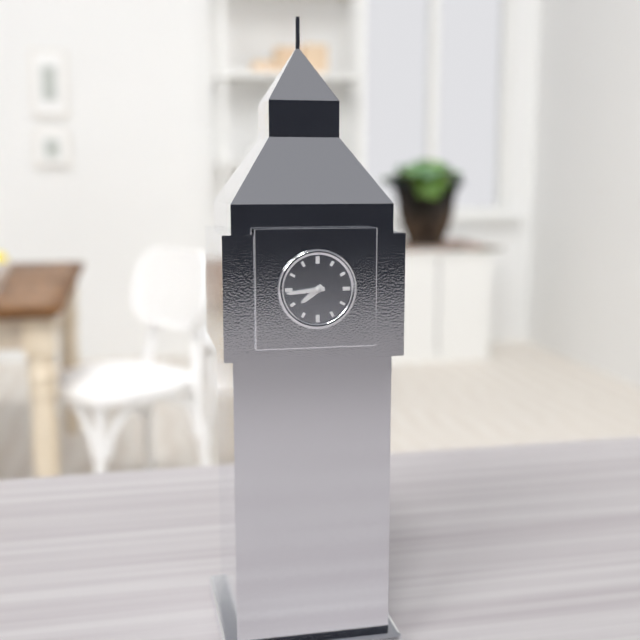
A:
7,44
